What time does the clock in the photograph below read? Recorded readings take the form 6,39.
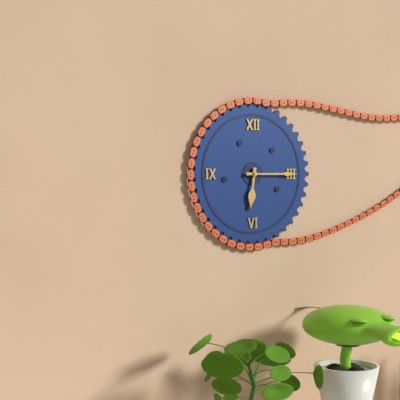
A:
6,15
